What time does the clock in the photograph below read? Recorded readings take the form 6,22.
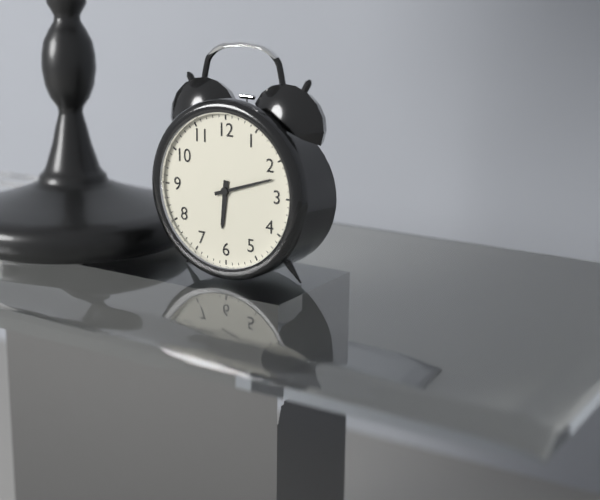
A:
6,12
